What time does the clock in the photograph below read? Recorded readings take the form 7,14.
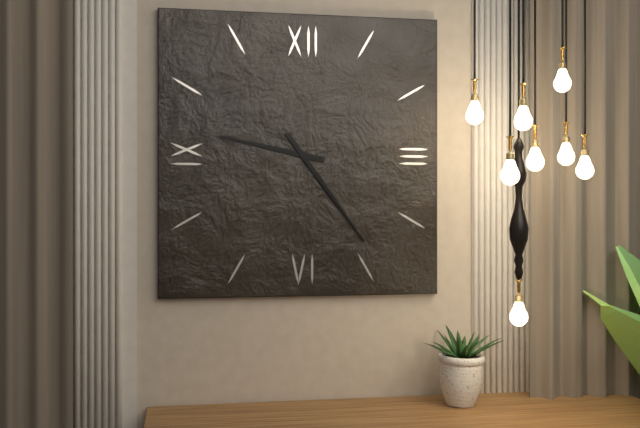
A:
9,24
